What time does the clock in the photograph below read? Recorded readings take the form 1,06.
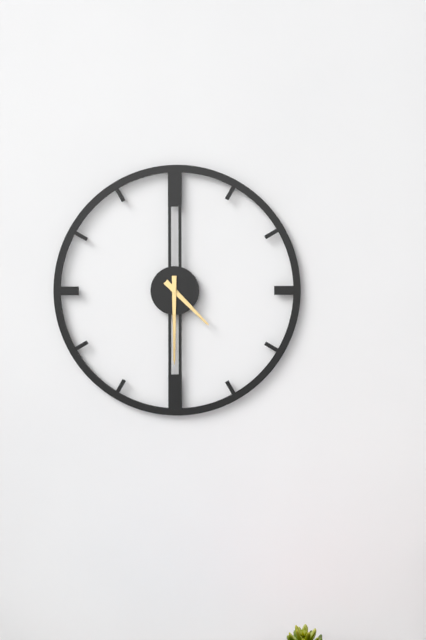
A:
4,30
